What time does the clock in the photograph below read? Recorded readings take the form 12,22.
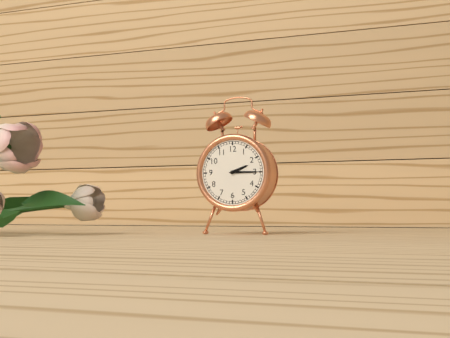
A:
2,15
